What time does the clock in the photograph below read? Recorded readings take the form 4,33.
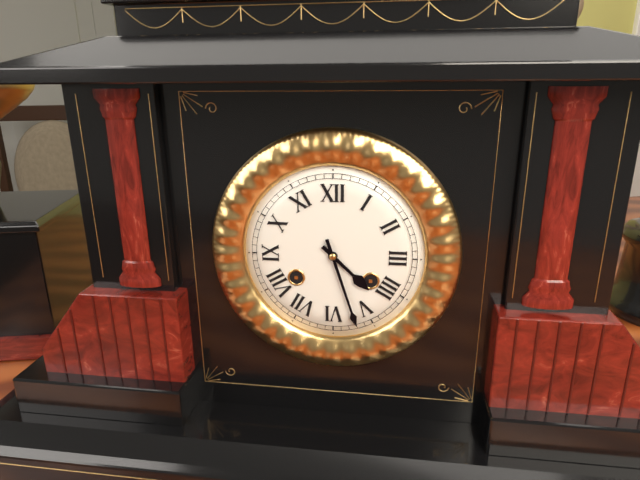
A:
4,27
